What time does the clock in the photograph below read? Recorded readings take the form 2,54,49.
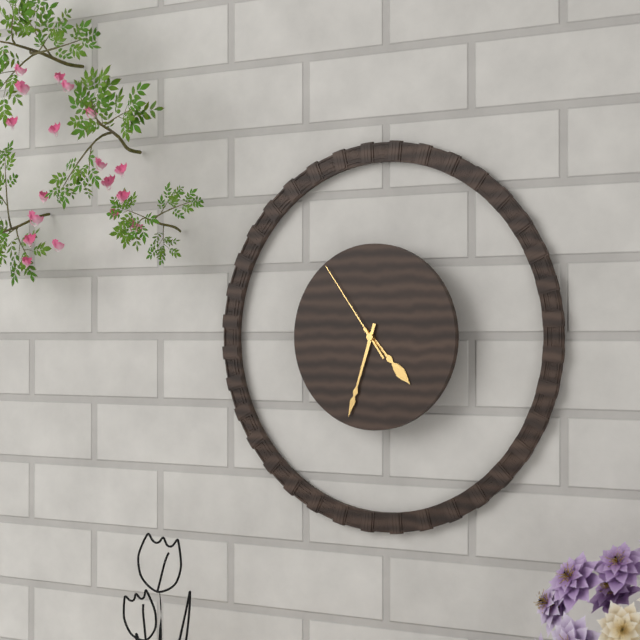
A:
4,33,54
